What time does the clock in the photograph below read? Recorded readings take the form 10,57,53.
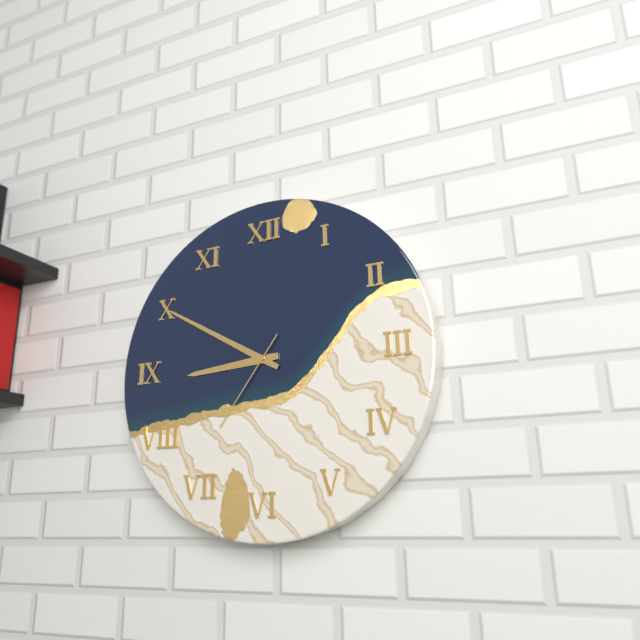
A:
8,50,36
